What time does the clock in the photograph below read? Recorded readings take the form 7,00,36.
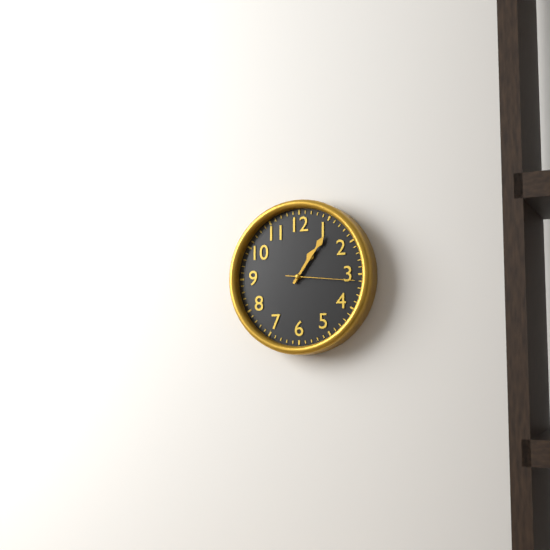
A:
1,06,16
